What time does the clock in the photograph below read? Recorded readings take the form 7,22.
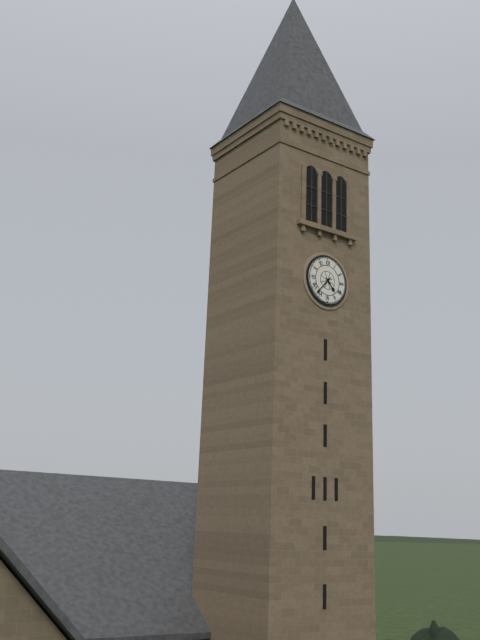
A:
4,37
